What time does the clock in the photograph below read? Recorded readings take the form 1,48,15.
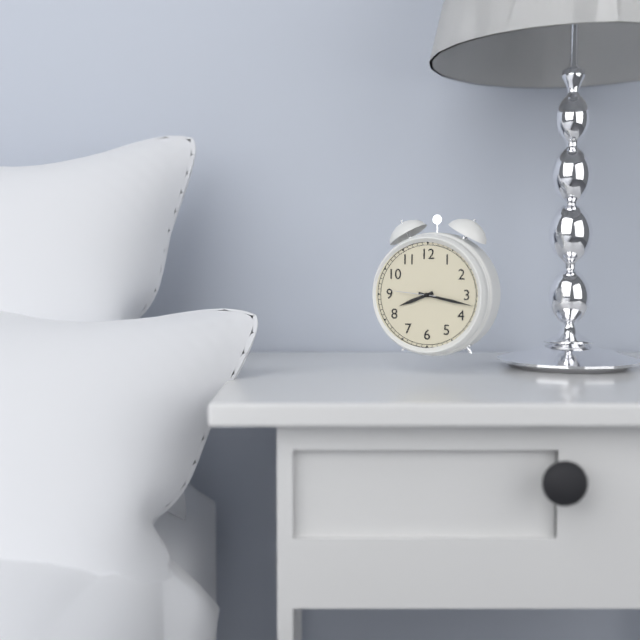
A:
8,17,46
